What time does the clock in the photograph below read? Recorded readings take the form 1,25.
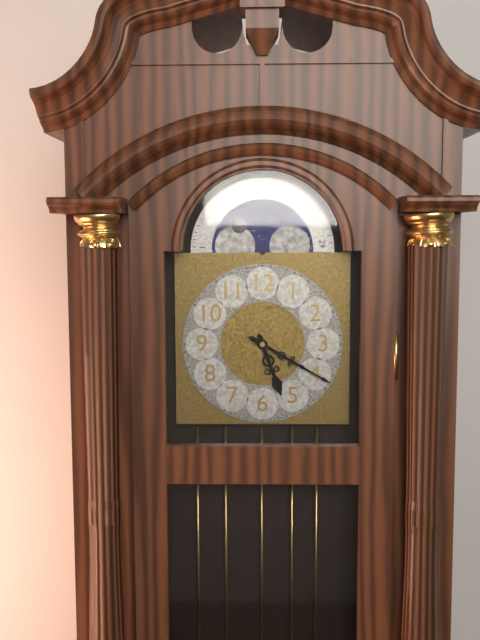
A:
5,20
